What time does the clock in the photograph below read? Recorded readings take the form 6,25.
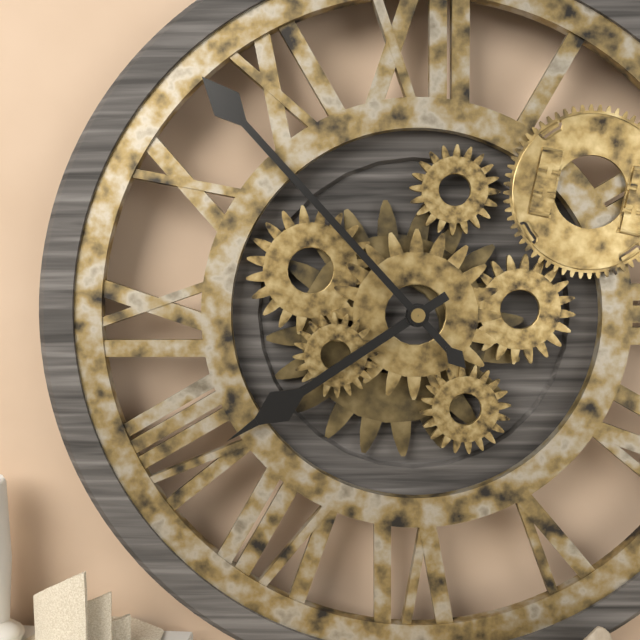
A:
7,53
